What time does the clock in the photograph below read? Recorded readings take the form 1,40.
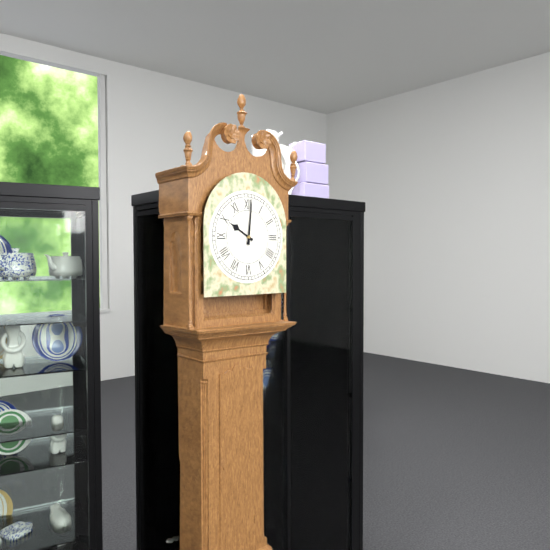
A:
10,01
